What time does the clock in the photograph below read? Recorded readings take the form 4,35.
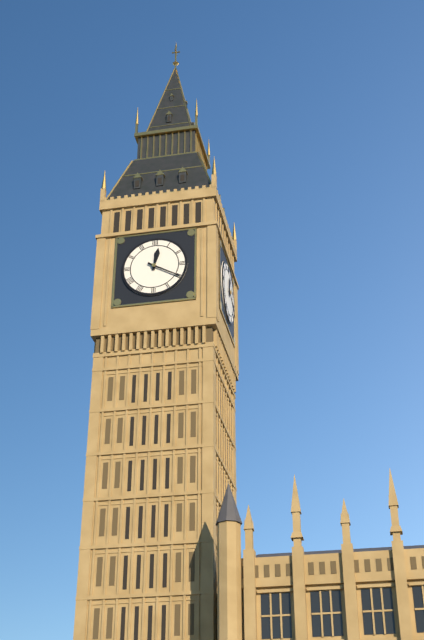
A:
12,20
